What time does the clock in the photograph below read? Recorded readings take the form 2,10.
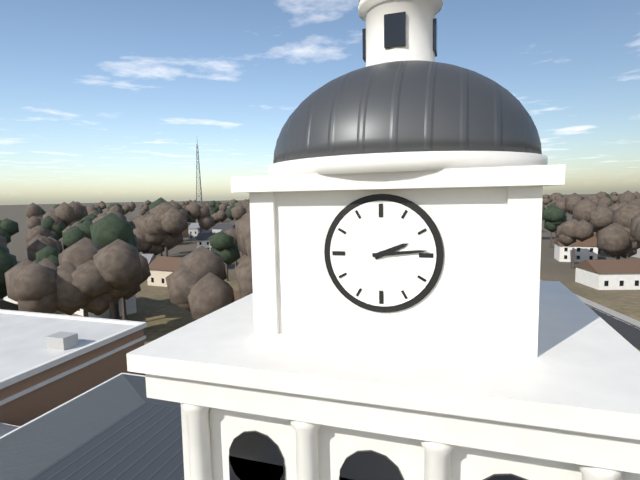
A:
2,14
